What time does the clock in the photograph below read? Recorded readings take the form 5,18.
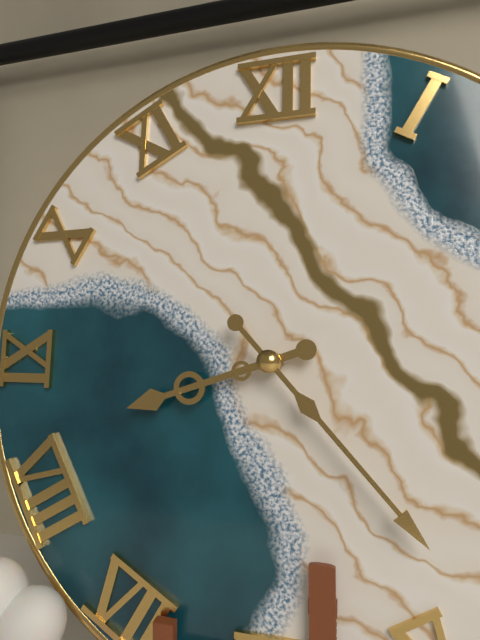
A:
8,23
